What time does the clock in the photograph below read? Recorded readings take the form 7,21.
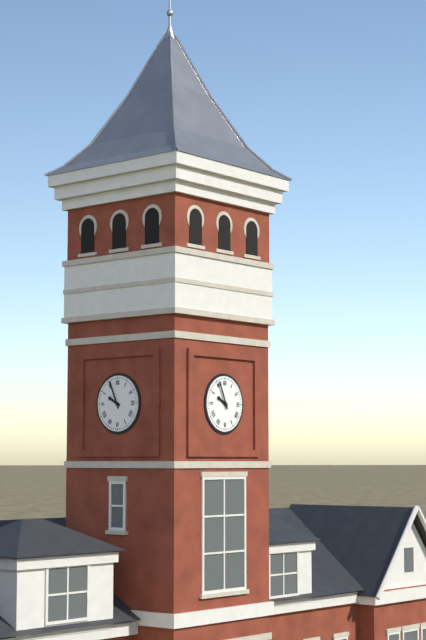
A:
9,56
